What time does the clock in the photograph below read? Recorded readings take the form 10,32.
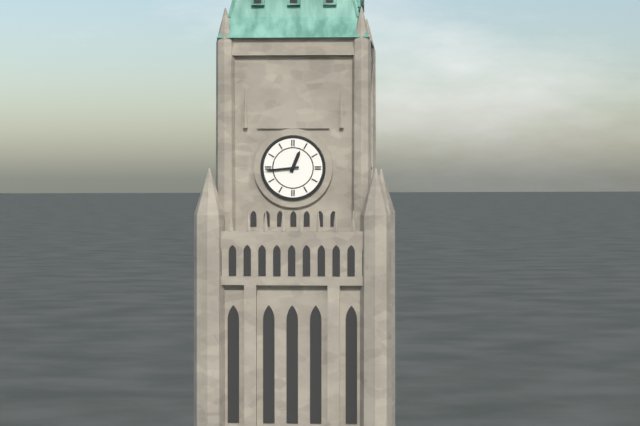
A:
12,44
